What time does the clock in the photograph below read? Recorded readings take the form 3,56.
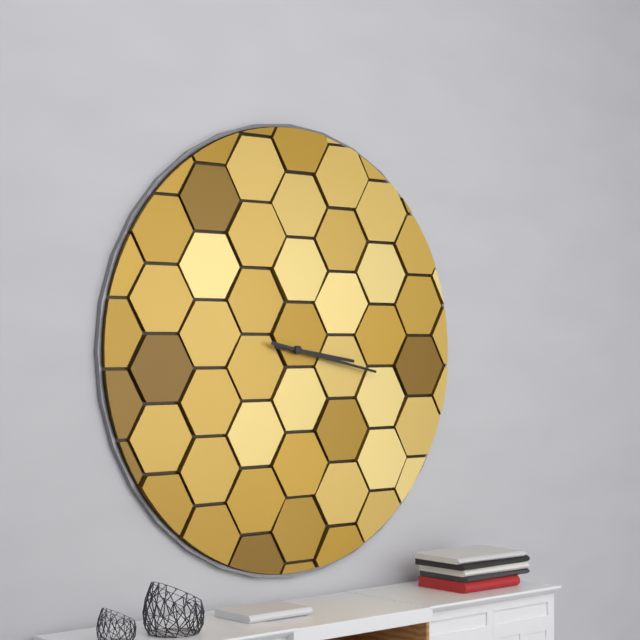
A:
3,17
